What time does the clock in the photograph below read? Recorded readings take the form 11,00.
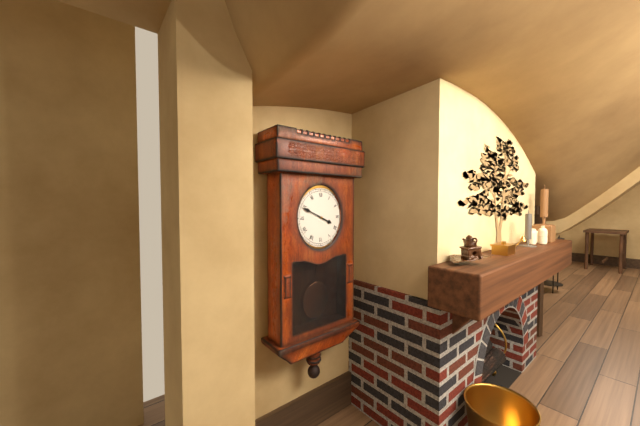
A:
3,49
